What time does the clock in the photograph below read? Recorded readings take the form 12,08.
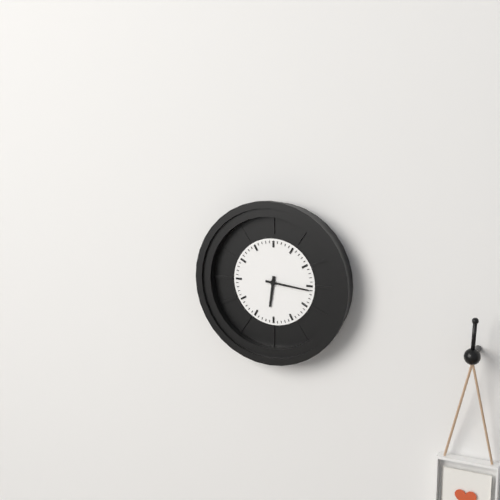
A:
6,16
